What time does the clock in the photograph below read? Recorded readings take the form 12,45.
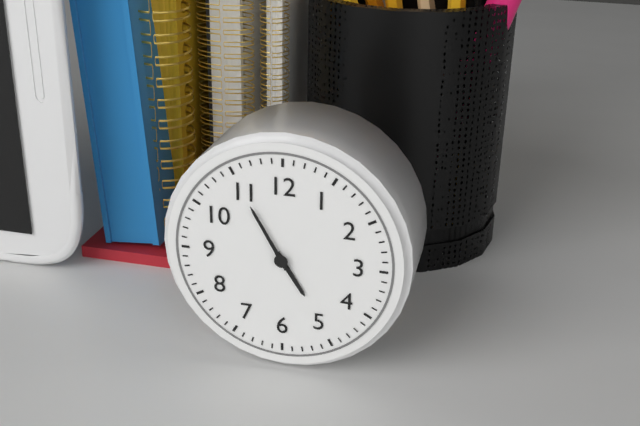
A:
4,55
